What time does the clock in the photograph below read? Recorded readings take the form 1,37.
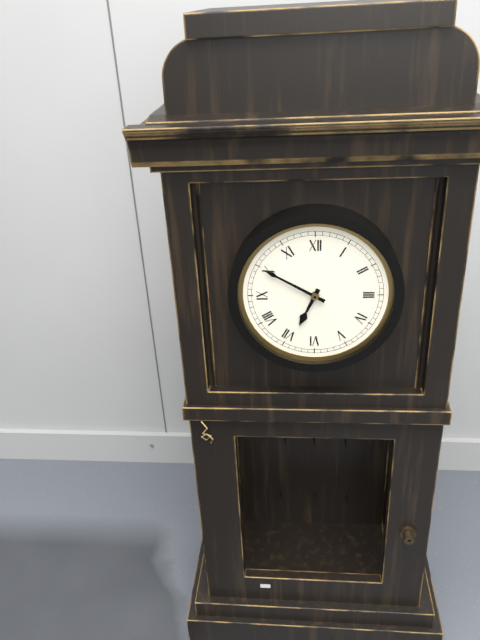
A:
6,50
